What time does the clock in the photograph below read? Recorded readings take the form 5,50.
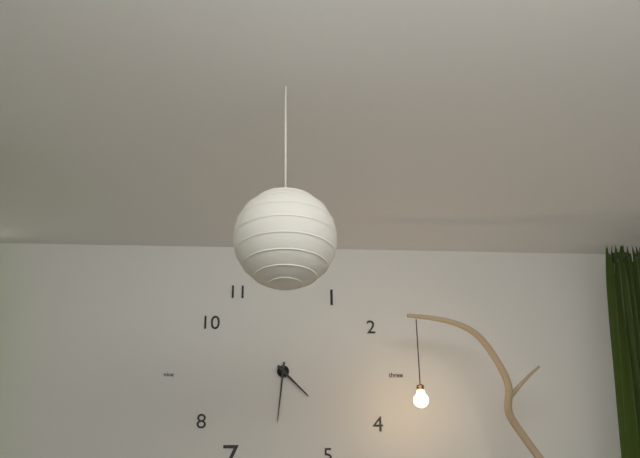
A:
4,31
